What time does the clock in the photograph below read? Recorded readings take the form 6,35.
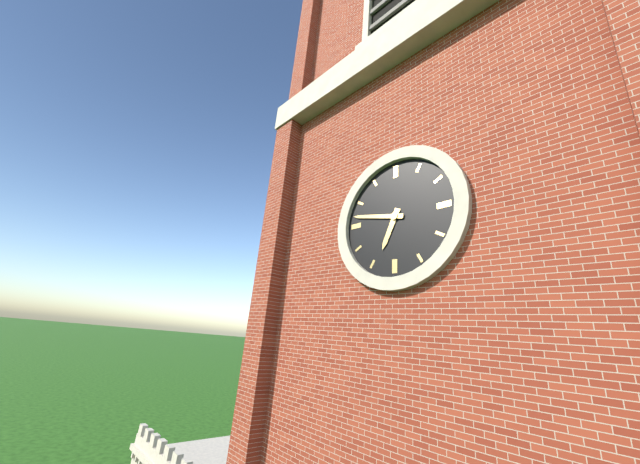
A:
6,47
